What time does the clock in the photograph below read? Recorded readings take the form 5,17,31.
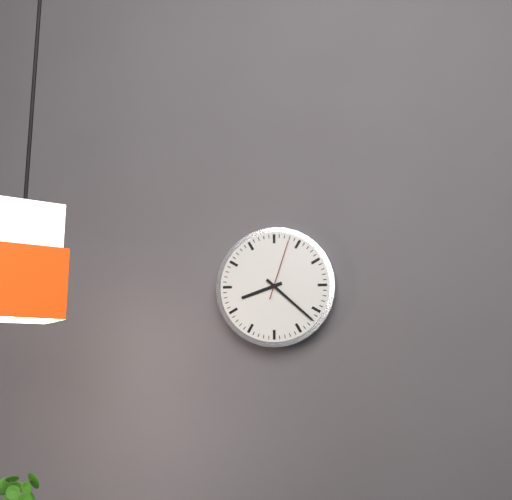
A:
8,22,03
